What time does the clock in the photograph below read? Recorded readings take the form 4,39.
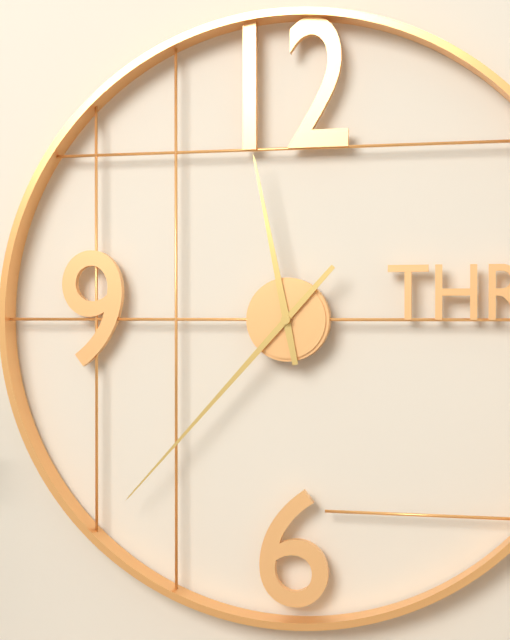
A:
11,37
